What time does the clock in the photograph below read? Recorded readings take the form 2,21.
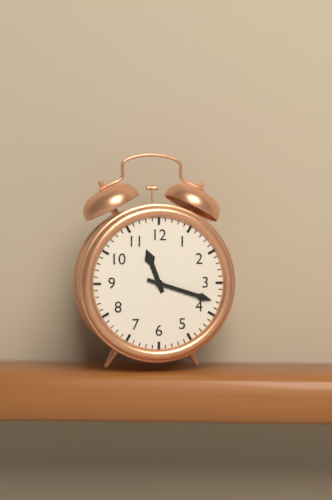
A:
11,18
